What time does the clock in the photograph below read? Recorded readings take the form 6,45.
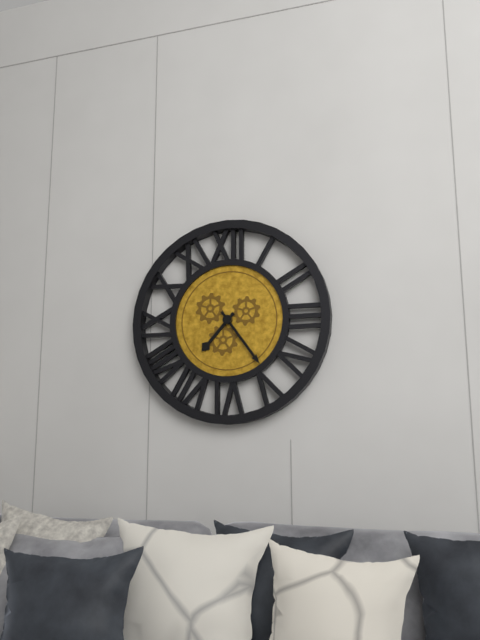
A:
7,24
